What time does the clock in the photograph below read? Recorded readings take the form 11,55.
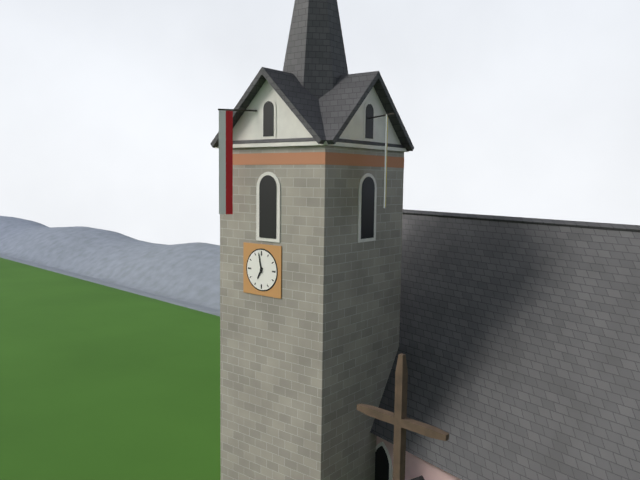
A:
6,58
